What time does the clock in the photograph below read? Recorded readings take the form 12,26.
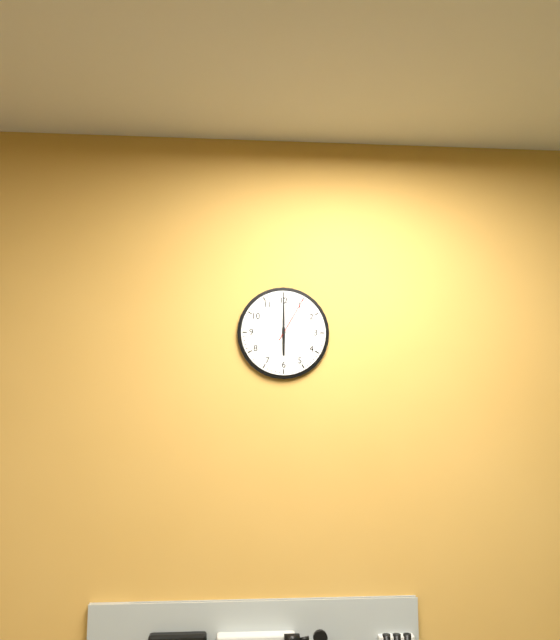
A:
6,00
